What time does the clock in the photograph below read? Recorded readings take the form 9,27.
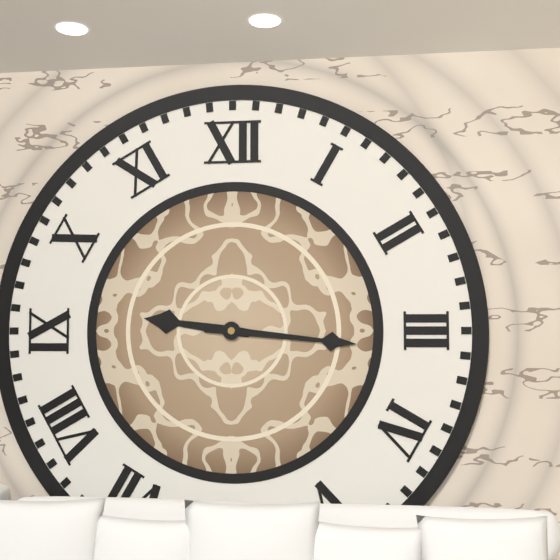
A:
9,16
